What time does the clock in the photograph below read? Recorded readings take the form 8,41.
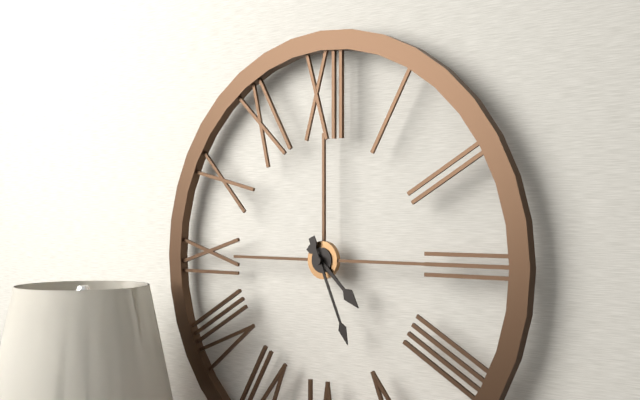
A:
4,26
